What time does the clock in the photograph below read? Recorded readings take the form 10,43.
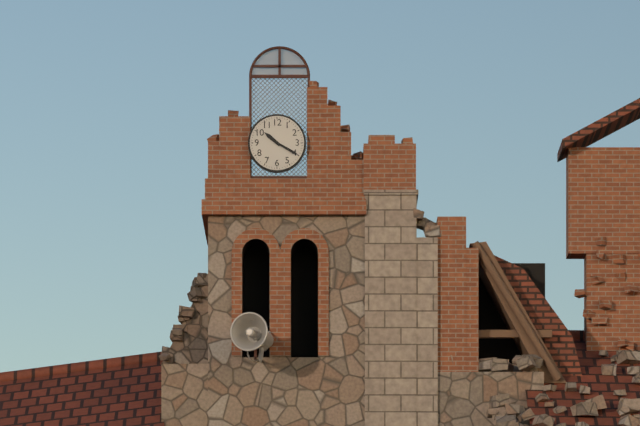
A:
10,20
